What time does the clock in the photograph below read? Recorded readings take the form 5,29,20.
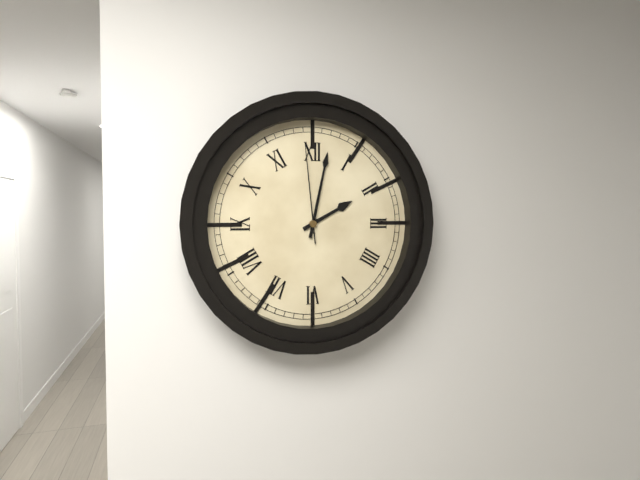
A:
2,02,59
